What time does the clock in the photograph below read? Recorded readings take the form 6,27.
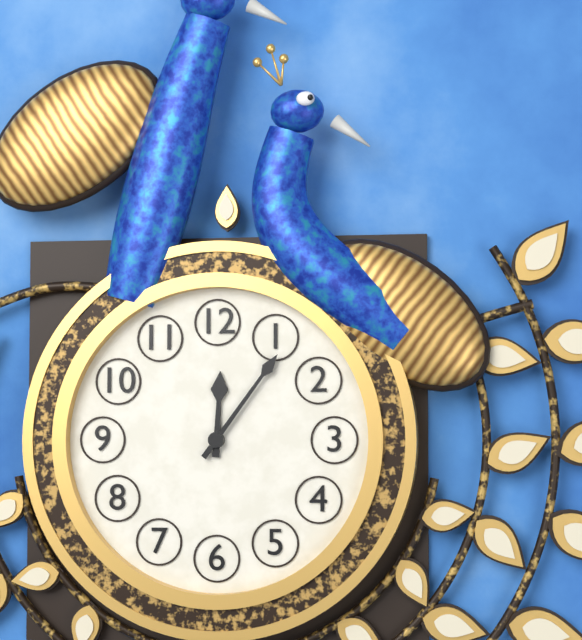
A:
12,06
